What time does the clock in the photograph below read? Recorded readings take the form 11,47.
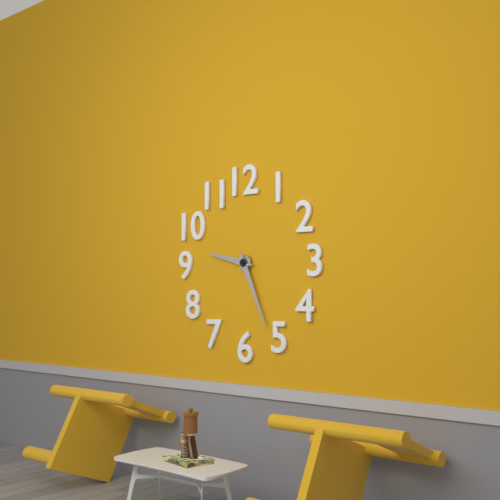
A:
9,26
